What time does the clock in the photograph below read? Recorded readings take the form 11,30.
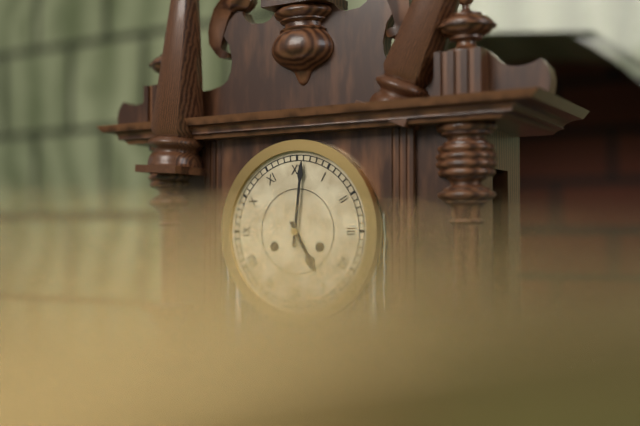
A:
5,01
